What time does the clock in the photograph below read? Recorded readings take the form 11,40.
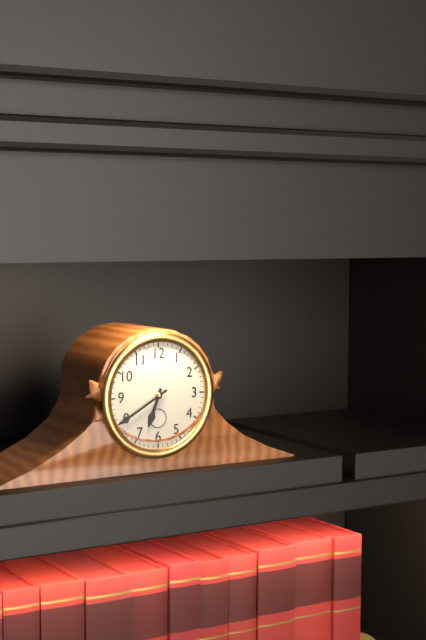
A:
6,40
